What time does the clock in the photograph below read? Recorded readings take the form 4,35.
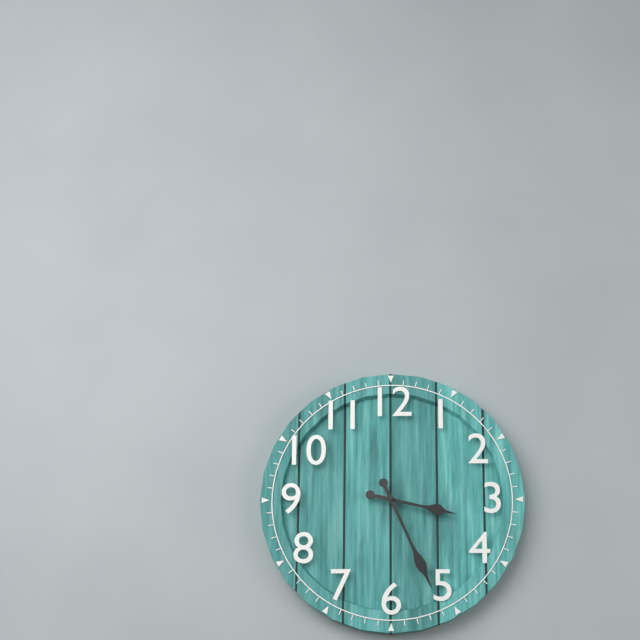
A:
3,26
